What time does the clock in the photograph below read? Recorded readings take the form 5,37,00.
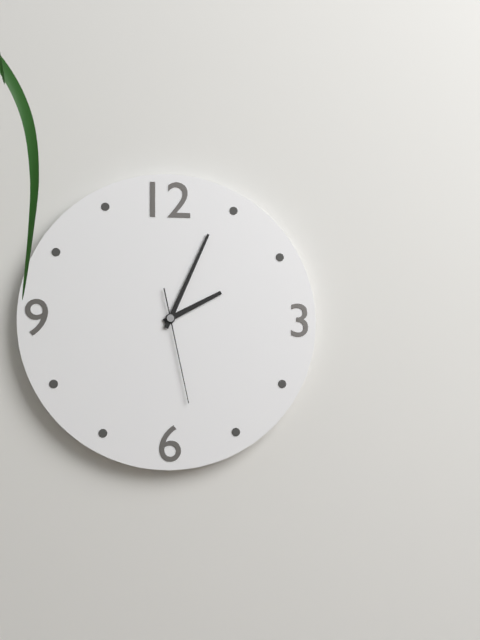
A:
2,04,28
